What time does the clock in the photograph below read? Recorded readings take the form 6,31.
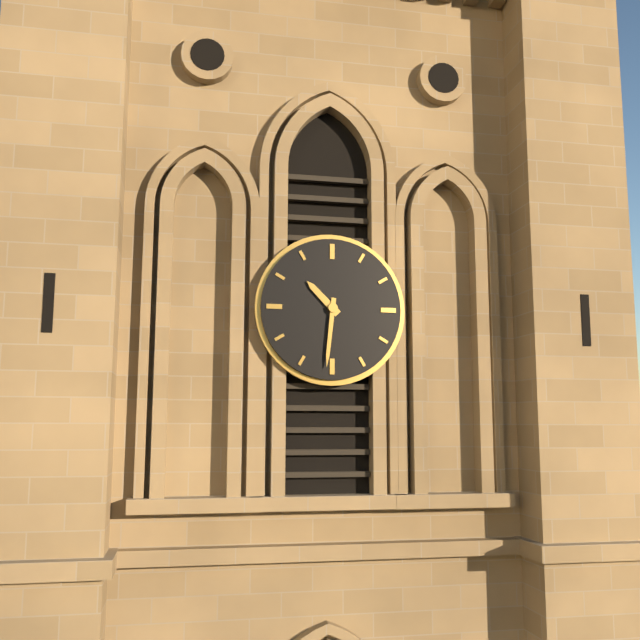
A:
10,31
